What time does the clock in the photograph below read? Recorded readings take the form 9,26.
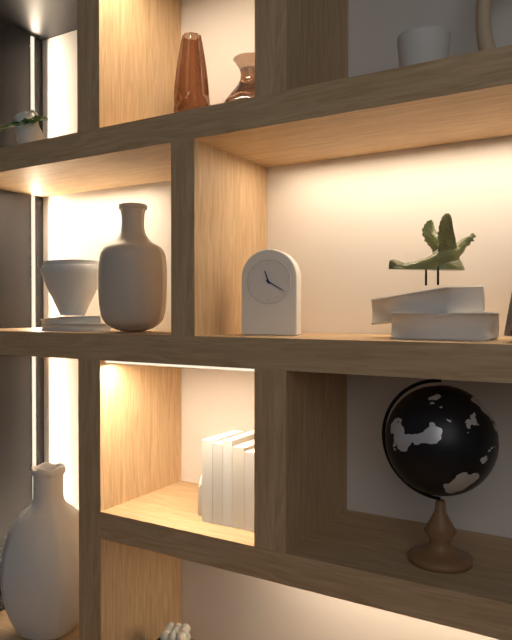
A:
11,20
